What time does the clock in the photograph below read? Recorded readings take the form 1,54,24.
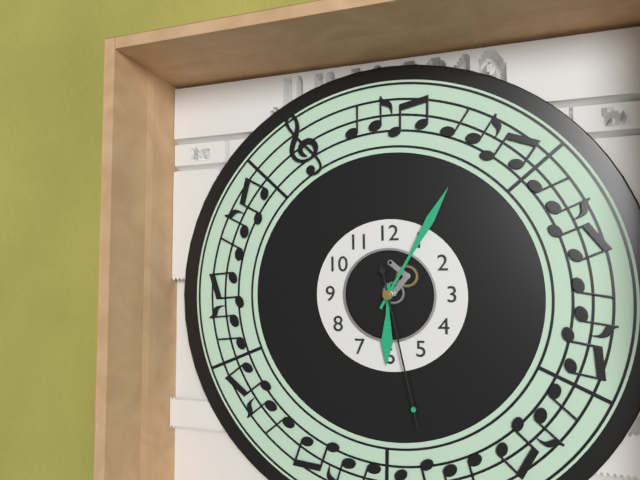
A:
6,05,28
